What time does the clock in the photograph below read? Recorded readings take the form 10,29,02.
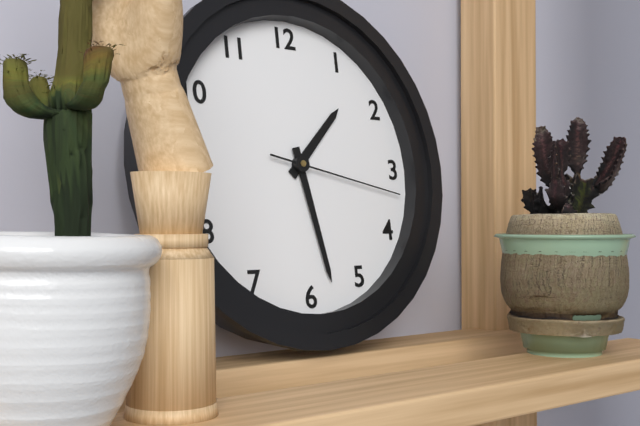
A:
1,28,17
